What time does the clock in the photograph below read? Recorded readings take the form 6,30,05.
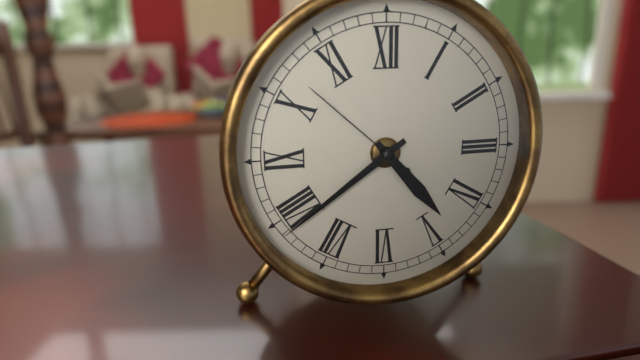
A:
4,39,52
